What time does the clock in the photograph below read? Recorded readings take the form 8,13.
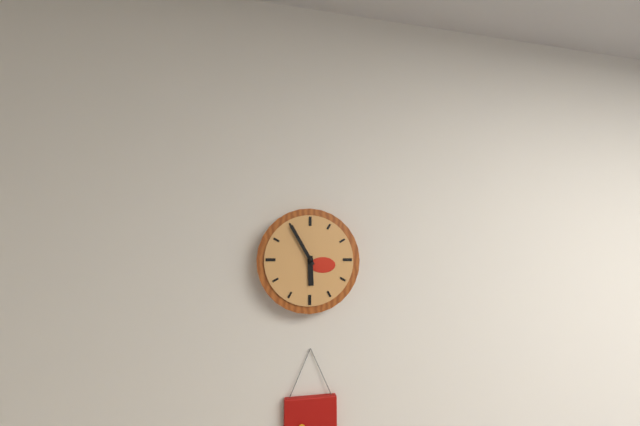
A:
5,55
